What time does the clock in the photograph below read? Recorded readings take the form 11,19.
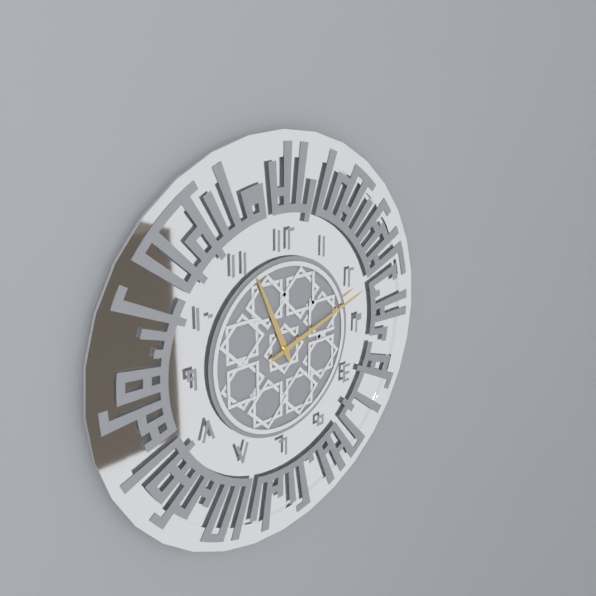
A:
11,12
